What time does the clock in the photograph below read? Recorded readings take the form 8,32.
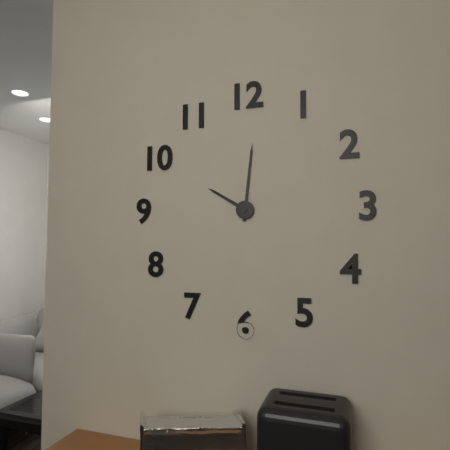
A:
10,01
